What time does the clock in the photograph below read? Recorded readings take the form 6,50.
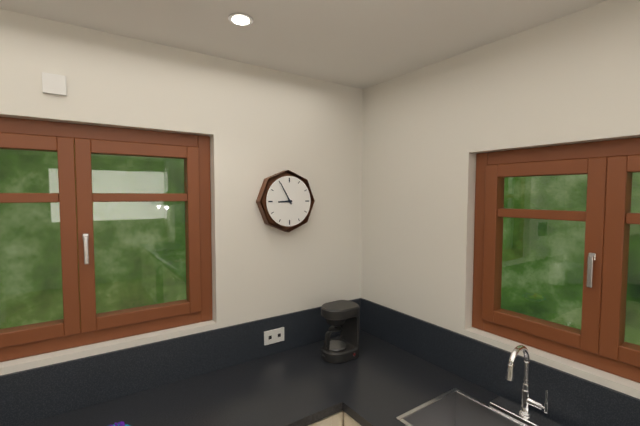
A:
8,55
